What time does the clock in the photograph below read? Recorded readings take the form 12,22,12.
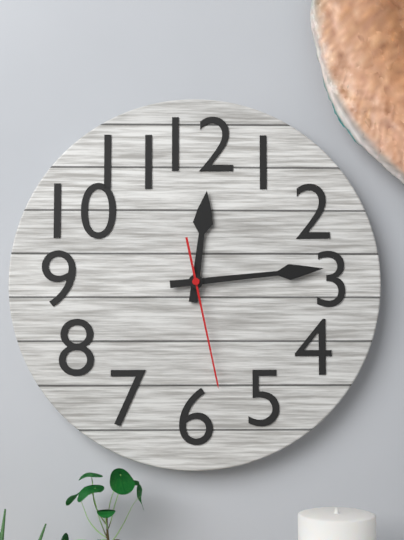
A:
12,14,28
